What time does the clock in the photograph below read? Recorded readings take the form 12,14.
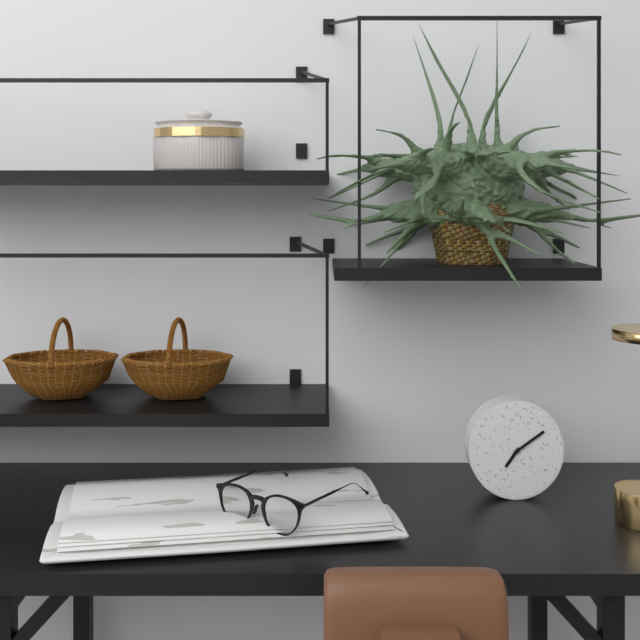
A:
7,09
